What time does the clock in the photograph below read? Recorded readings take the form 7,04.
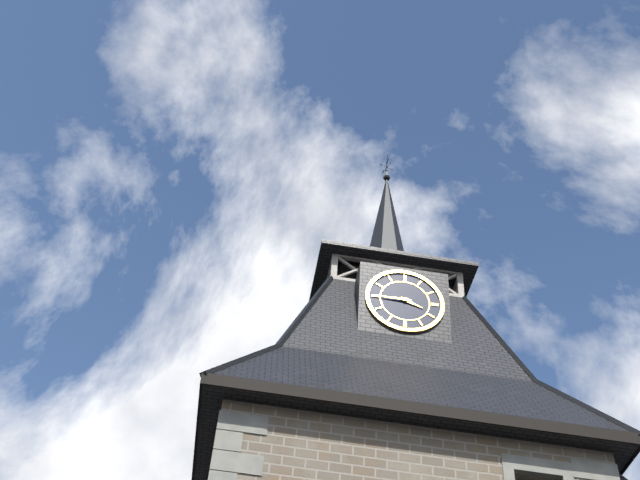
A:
3,45
